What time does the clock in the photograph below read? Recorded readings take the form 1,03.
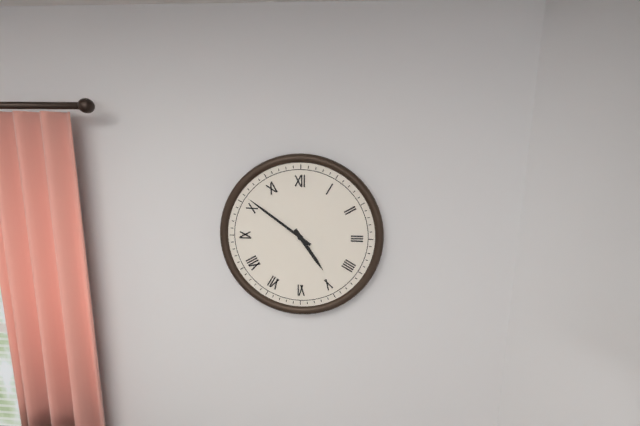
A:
4,51
